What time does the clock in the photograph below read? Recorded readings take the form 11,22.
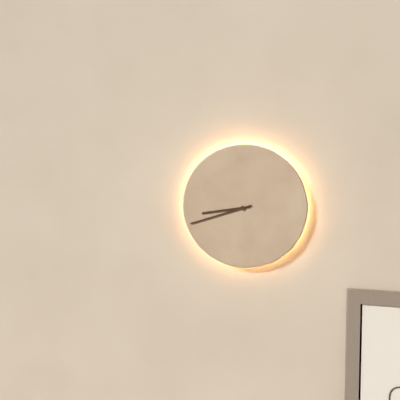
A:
8,42
